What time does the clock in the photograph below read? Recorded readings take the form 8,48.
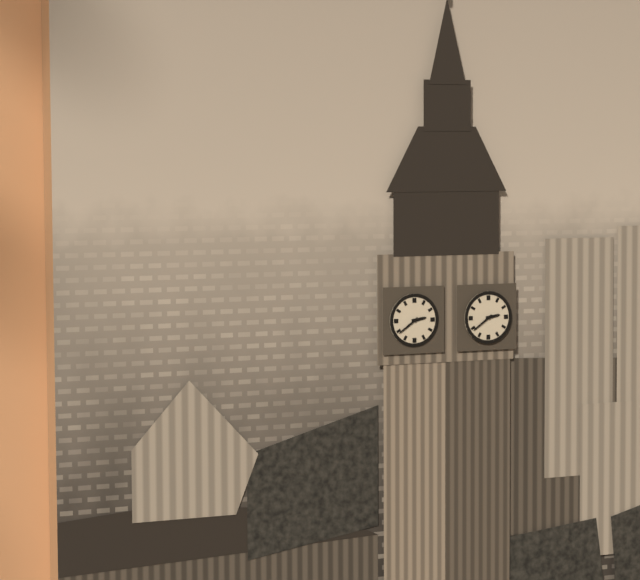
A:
2,39
